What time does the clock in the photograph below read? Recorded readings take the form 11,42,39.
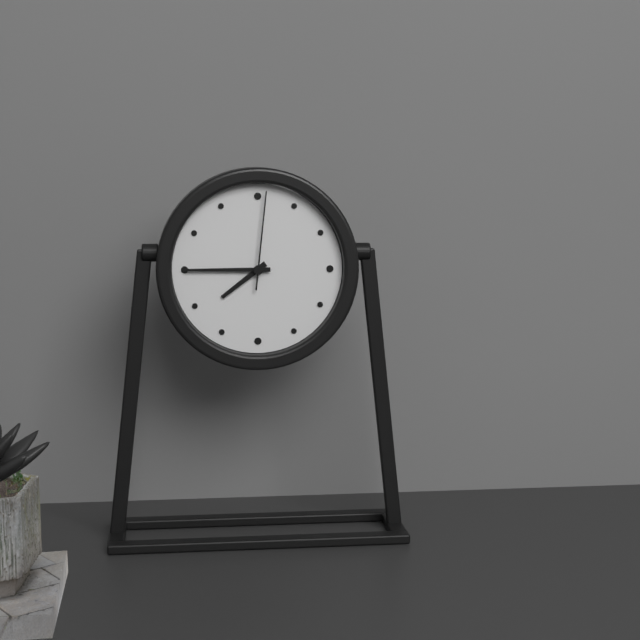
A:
7,45,01
